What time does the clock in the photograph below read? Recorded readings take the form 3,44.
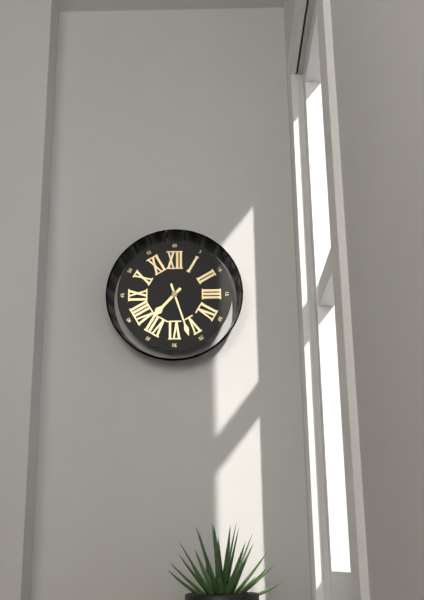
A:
7,27
